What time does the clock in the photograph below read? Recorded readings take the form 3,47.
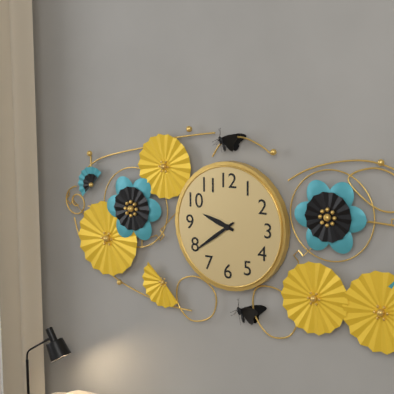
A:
9,39
